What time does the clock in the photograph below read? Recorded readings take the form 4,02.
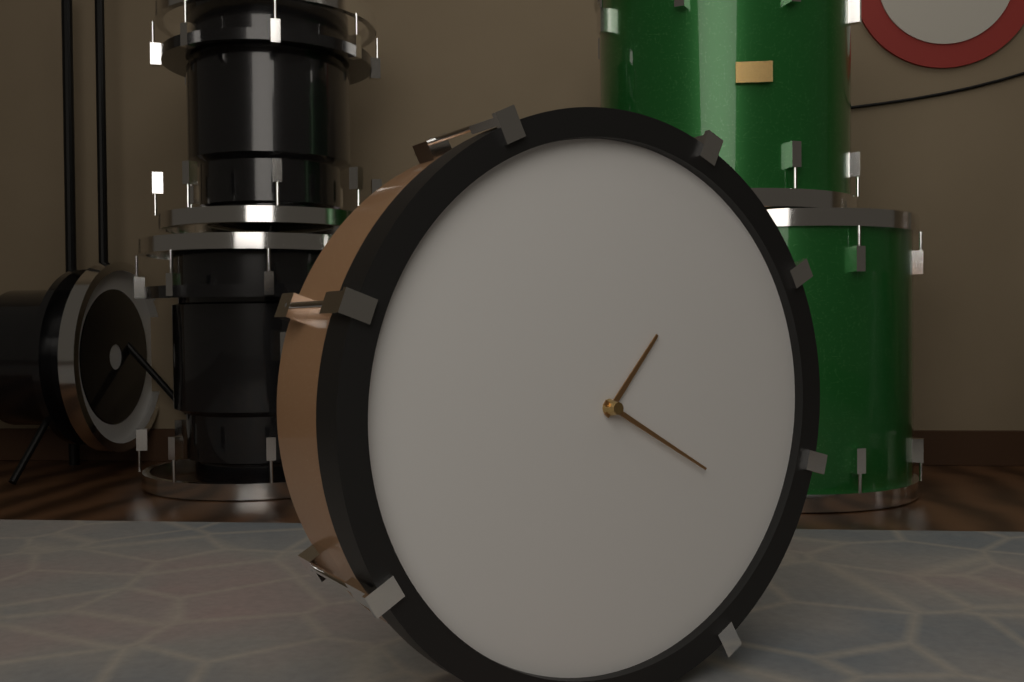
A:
1,20
